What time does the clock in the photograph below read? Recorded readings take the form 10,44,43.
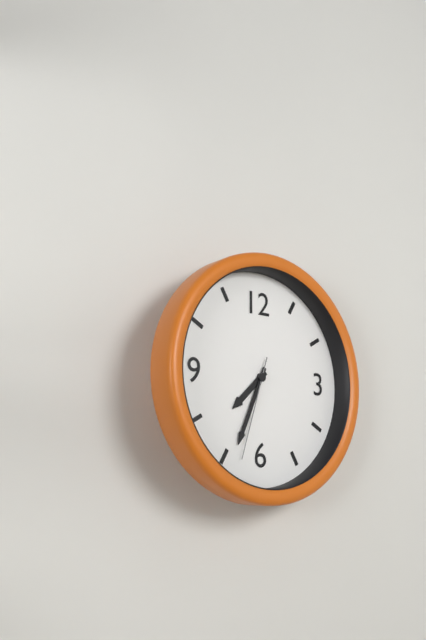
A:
7,34,33
